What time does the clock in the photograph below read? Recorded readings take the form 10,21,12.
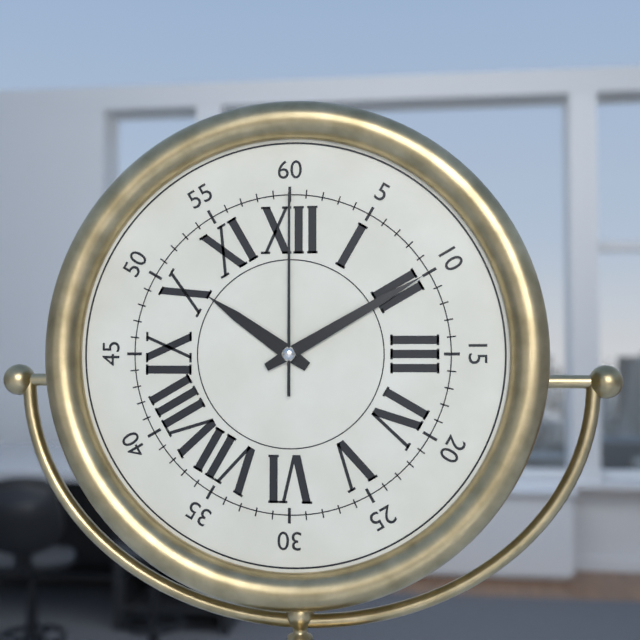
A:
10,10,00
